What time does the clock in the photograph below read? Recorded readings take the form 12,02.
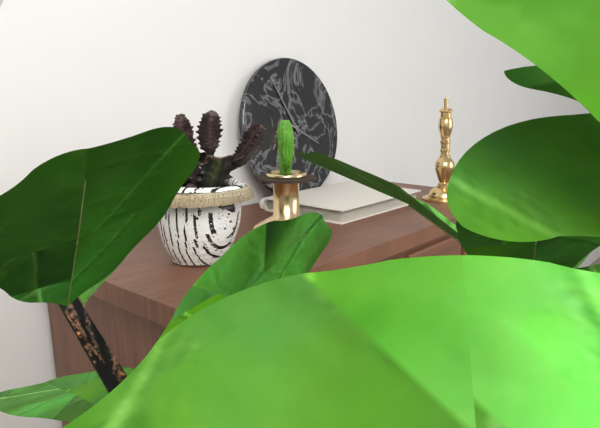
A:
3,55
